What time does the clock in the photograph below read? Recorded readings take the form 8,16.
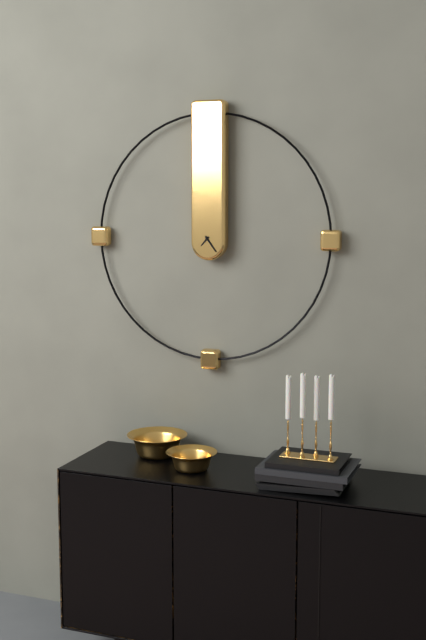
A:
7,24
